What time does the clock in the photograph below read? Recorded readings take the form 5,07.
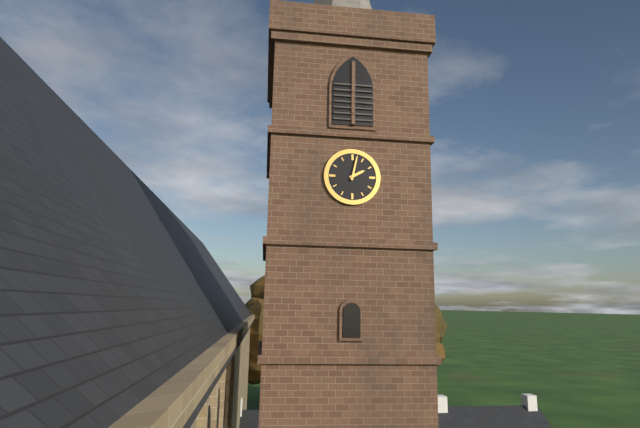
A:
2,02
